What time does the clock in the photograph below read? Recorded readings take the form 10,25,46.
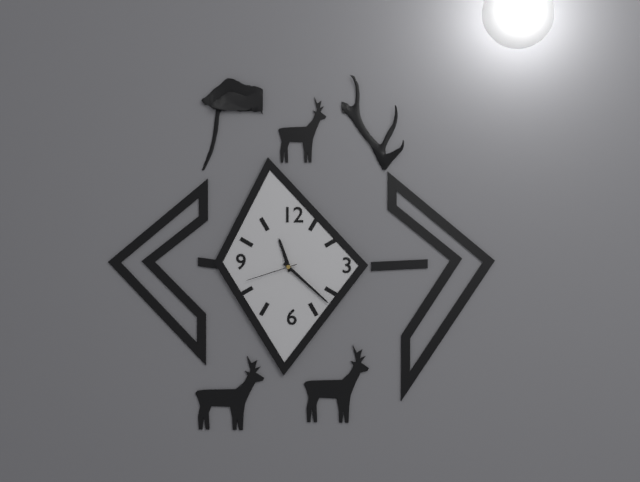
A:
11,22,42
